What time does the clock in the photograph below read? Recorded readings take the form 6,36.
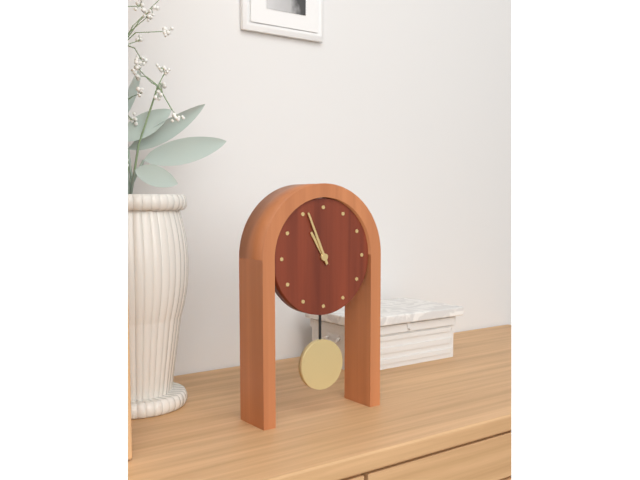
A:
10,56
